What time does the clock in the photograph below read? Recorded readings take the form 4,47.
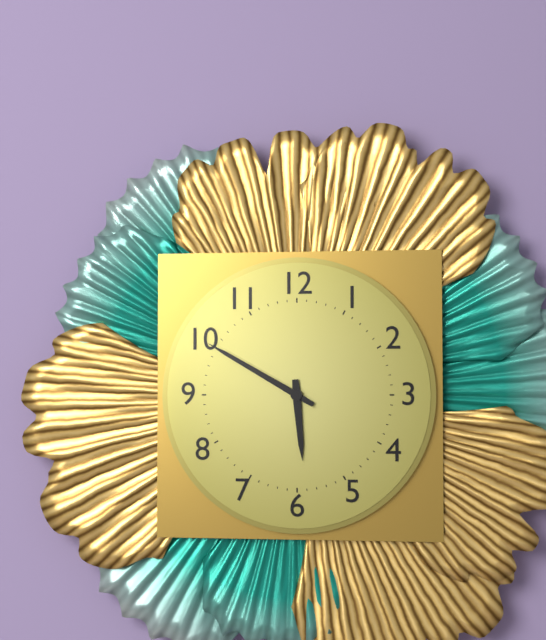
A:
5,50
